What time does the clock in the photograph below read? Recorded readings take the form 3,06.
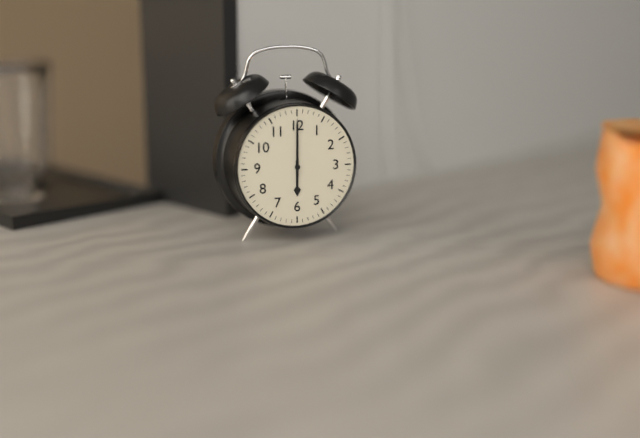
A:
6,00
